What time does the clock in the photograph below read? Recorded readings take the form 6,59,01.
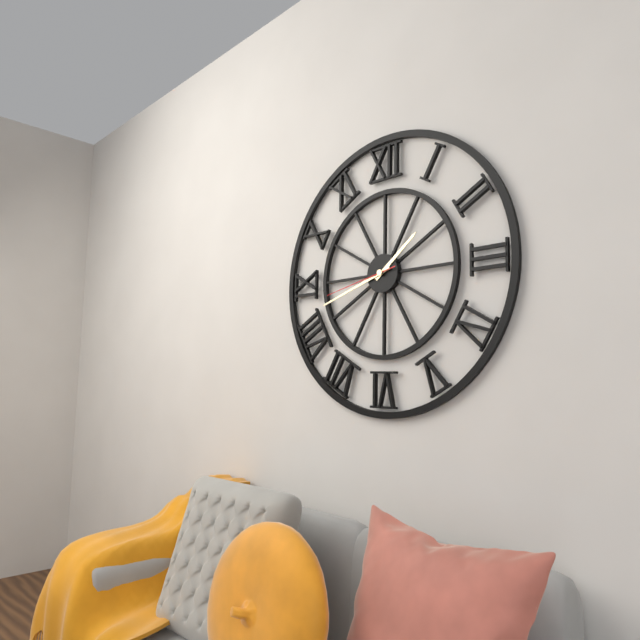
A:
1,42,43
